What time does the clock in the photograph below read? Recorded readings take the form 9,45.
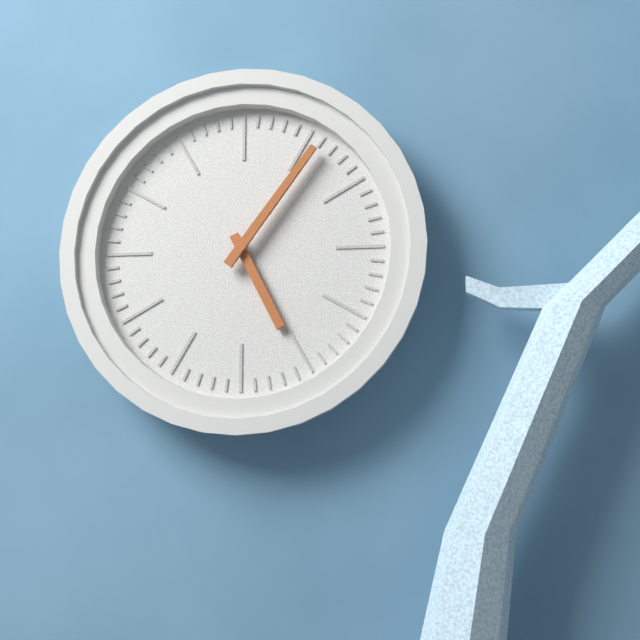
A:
5,06
